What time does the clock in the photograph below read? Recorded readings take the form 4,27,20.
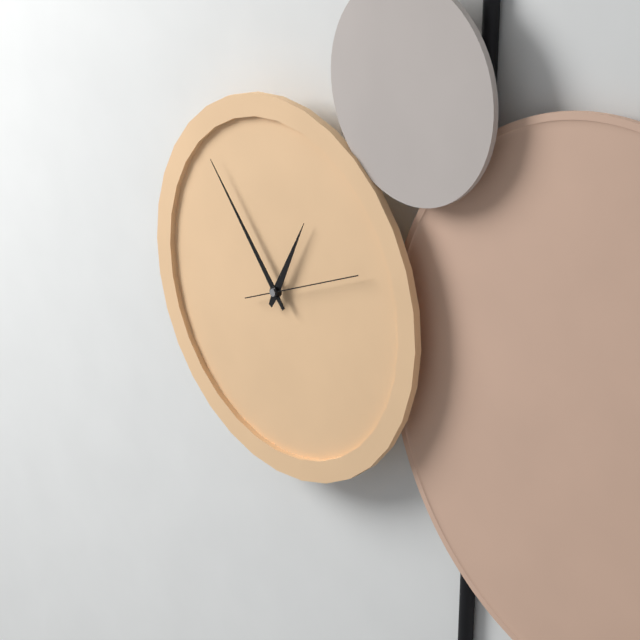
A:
12,53,11
